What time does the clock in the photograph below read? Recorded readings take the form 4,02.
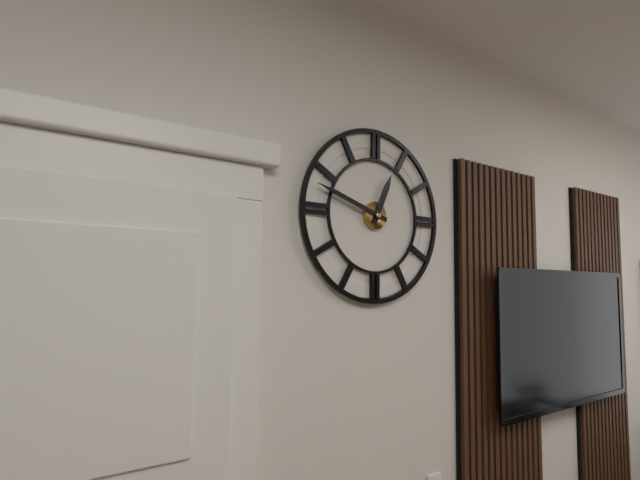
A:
12,48
